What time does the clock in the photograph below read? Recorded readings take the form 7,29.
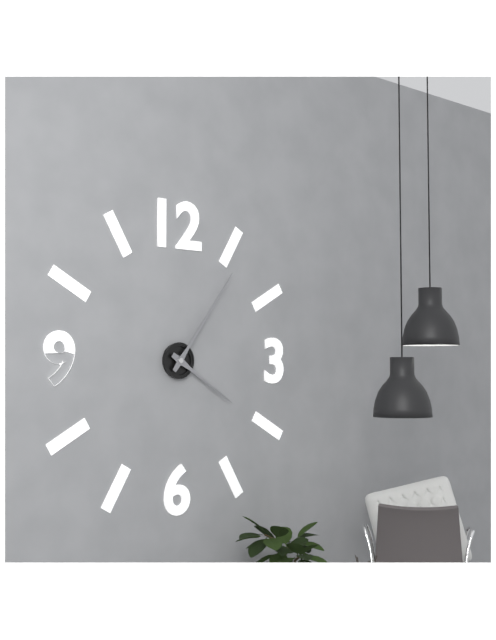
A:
4,06
